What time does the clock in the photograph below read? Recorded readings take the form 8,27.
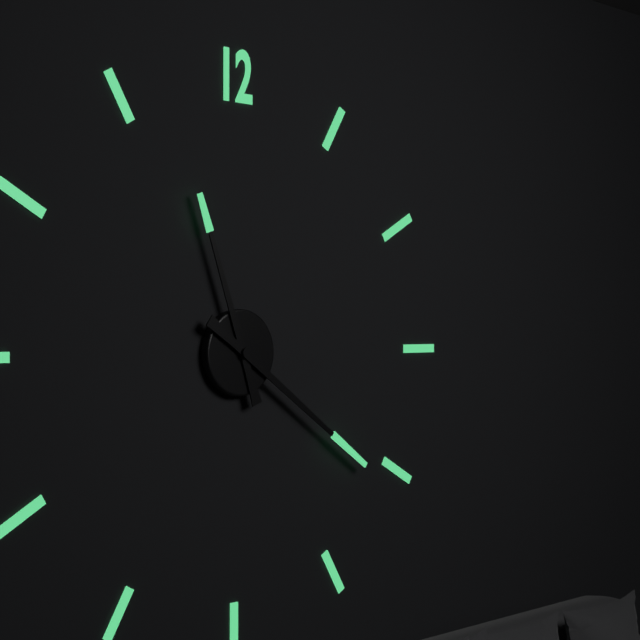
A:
11,21
